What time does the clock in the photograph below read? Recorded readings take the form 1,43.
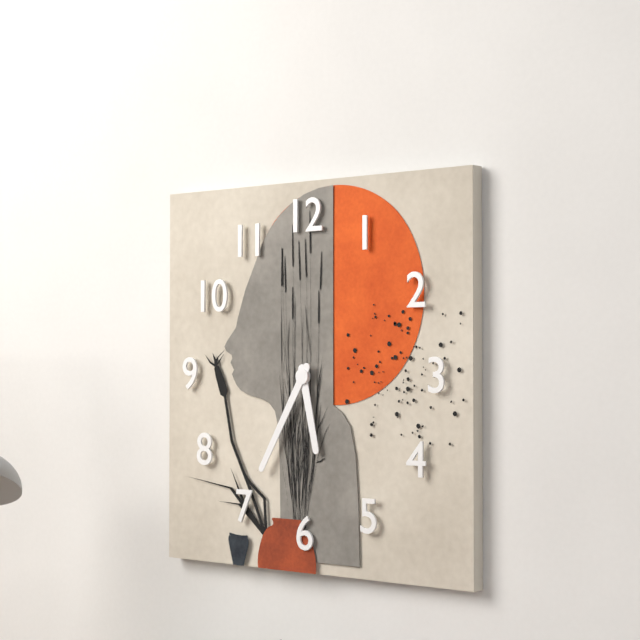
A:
5,35
